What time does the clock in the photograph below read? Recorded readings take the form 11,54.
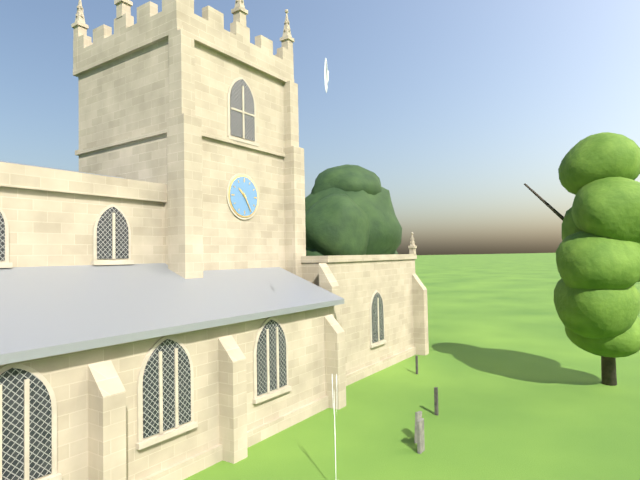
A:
10,25
